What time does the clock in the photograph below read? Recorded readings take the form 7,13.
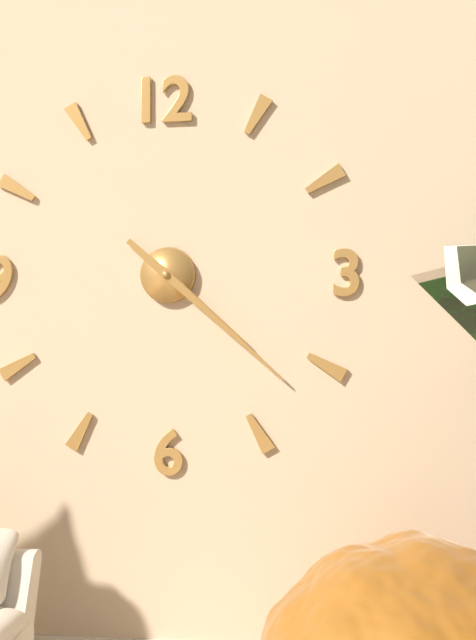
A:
4,22
